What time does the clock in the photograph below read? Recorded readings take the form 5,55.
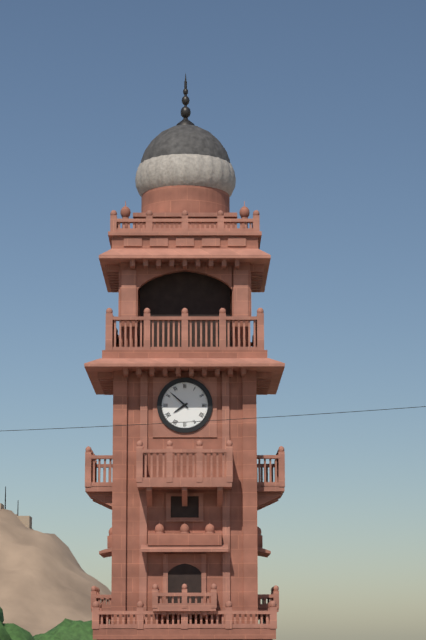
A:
7,52
